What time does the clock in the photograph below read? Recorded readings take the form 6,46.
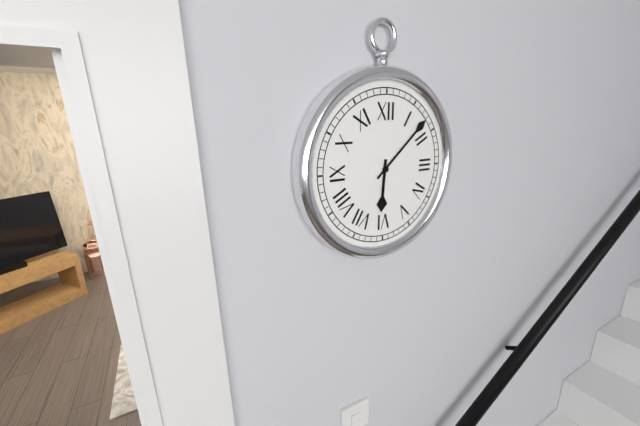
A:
6,08
